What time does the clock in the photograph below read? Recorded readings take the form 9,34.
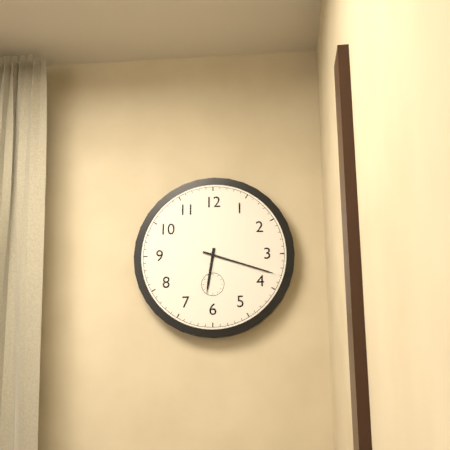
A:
6,18
